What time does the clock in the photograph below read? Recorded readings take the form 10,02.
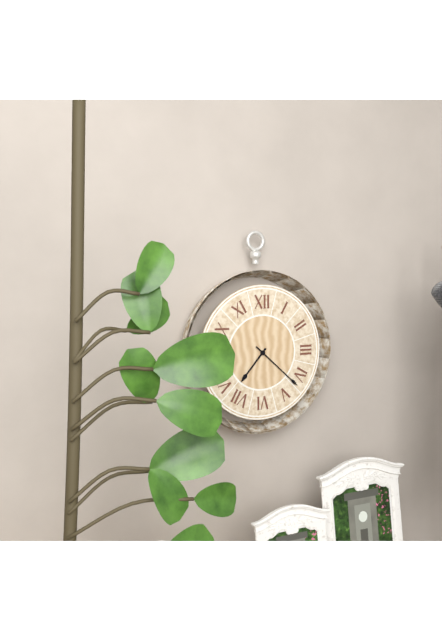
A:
7,22
